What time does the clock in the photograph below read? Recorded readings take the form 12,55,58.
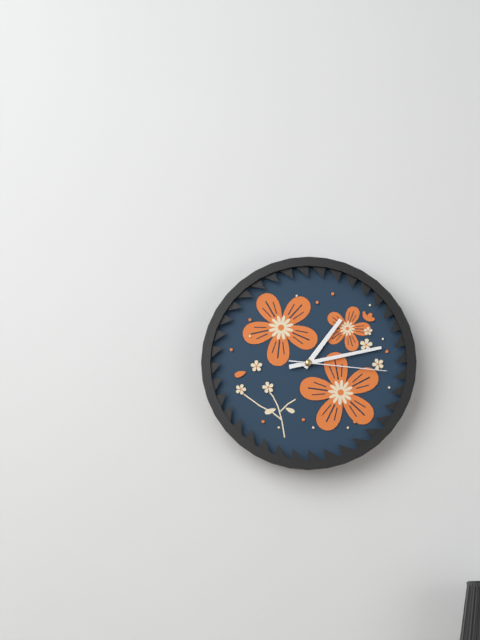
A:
1,13,16
